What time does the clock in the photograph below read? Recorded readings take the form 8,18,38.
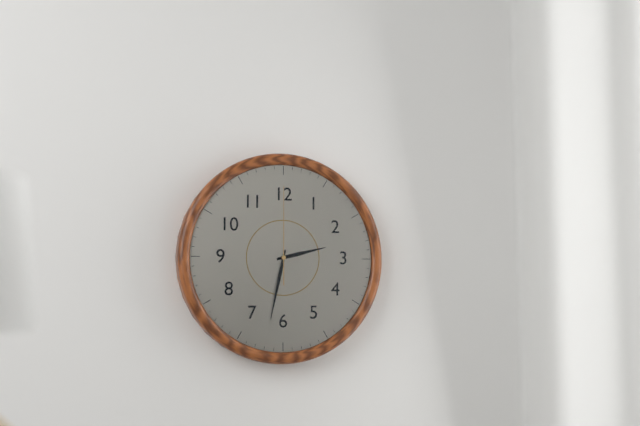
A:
2,32,00
